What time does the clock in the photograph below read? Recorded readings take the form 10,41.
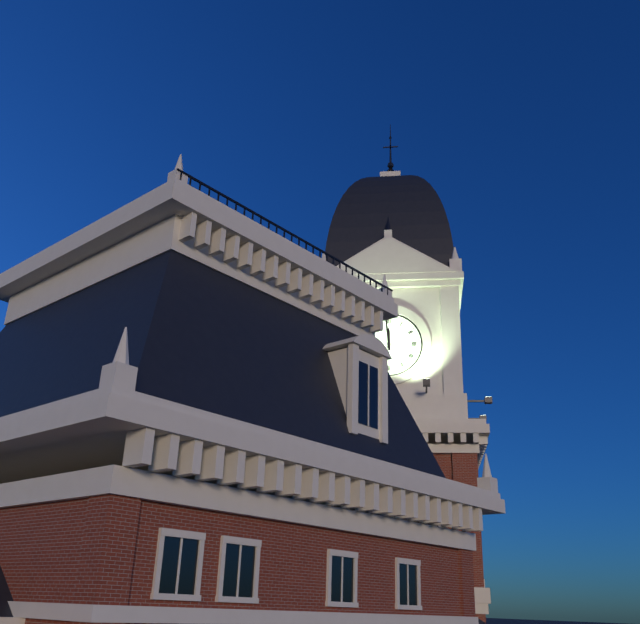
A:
11,59
